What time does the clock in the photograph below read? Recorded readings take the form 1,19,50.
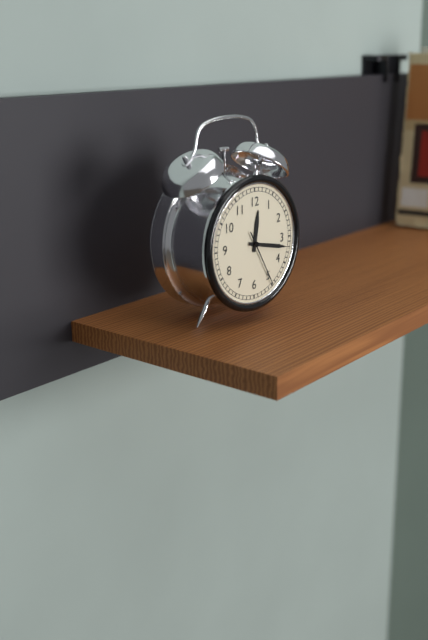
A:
12,17,25
